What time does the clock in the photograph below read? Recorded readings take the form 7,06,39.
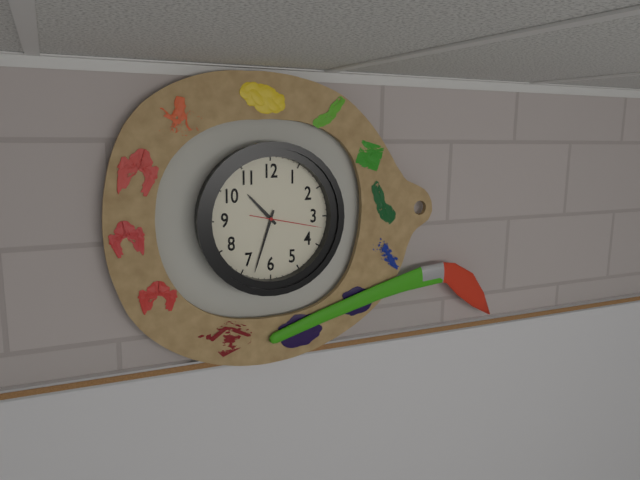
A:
10,33,17
